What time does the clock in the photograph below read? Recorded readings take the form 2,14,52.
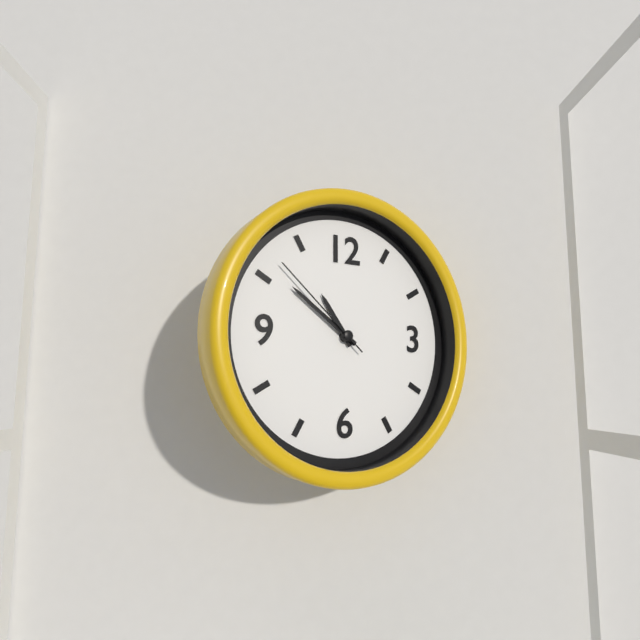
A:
10,51,52
